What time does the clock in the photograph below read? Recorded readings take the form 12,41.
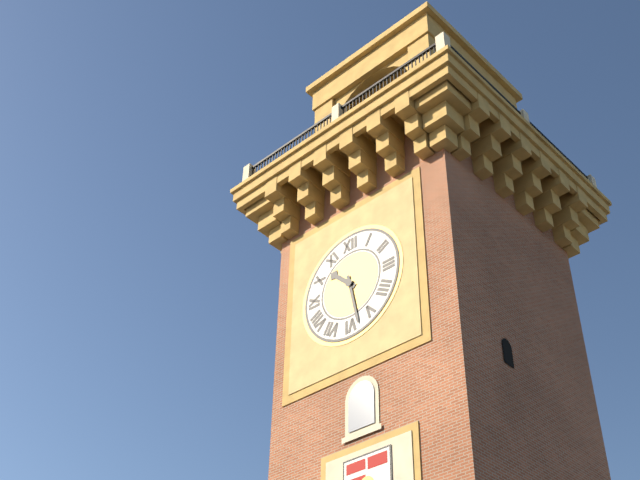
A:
10,28
